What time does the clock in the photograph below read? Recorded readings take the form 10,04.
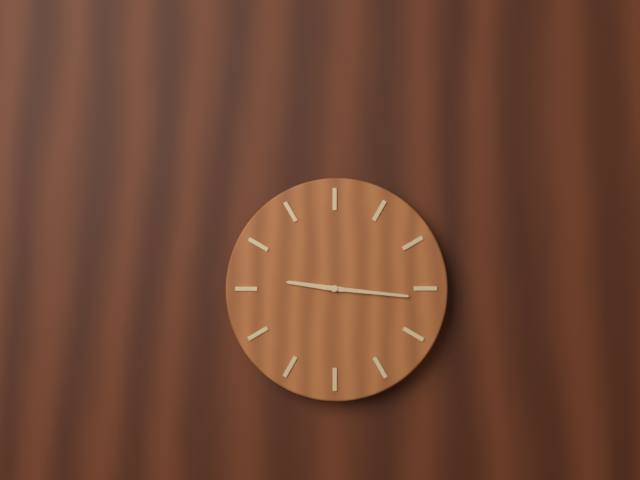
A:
9,16
